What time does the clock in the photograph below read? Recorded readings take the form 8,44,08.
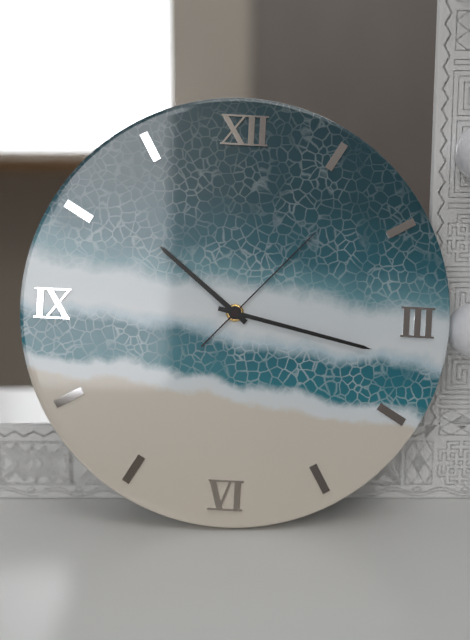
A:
10,17,07
